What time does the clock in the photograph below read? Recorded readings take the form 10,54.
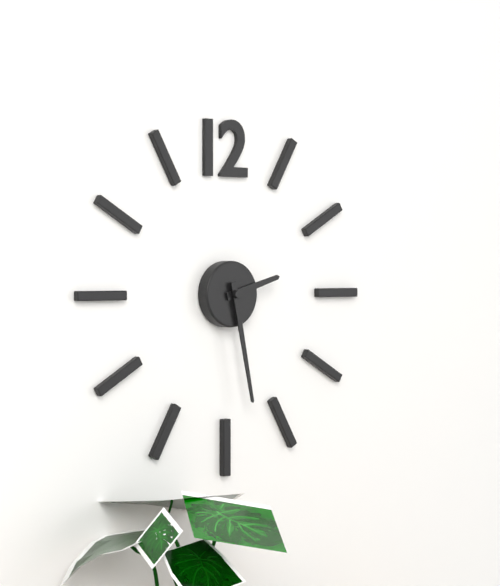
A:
2,28
